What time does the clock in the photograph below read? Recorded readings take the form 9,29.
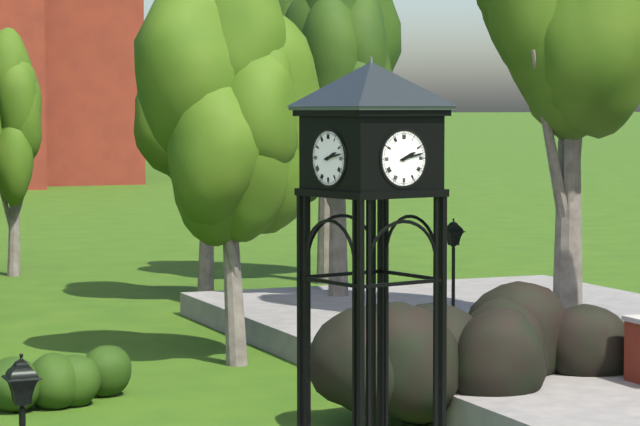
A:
2,13
